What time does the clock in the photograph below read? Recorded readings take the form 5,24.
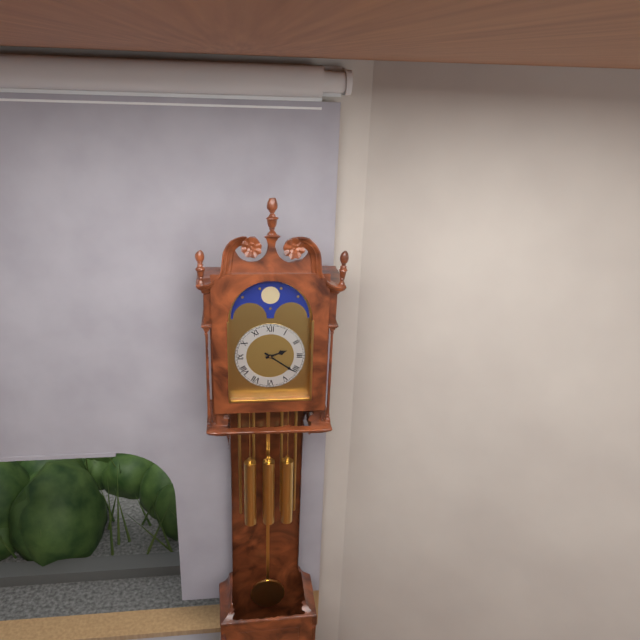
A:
2,21
